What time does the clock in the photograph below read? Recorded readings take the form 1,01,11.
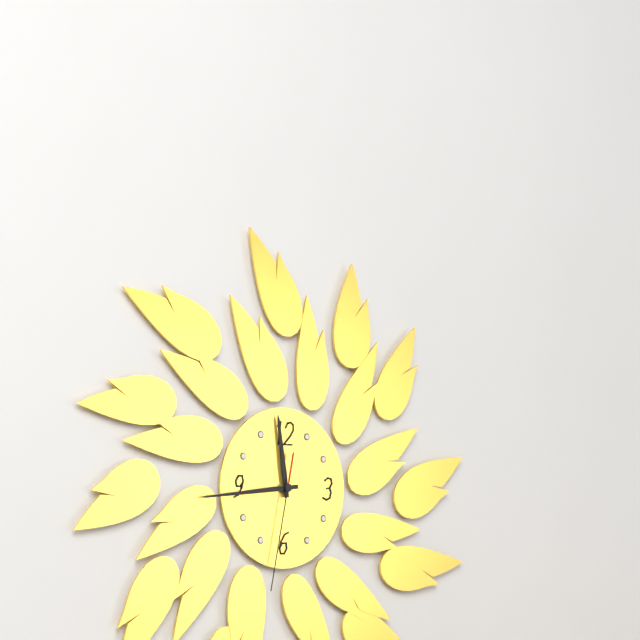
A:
11,44,32
